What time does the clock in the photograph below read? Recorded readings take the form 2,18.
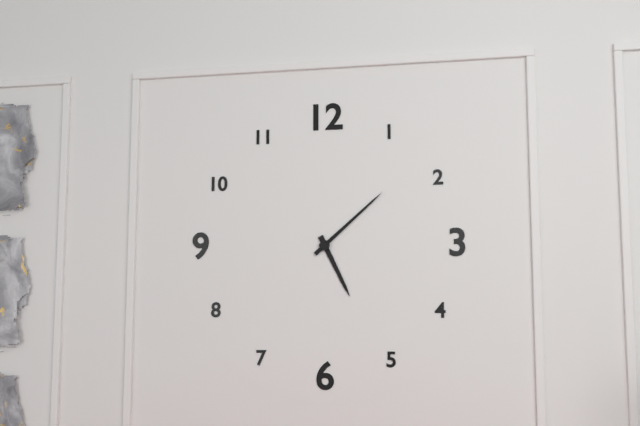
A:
5,08
